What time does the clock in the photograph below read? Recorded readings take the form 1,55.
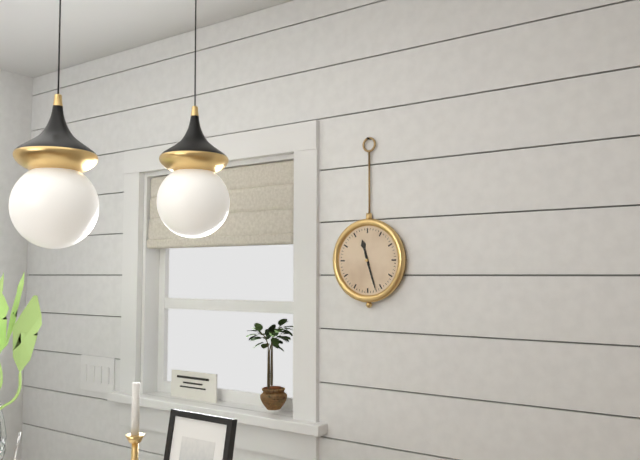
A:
11,27
